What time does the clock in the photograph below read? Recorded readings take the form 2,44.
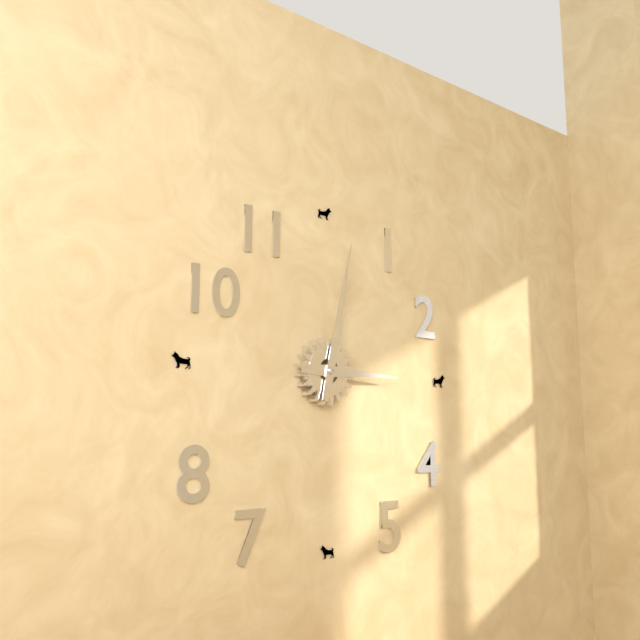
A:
3,02
